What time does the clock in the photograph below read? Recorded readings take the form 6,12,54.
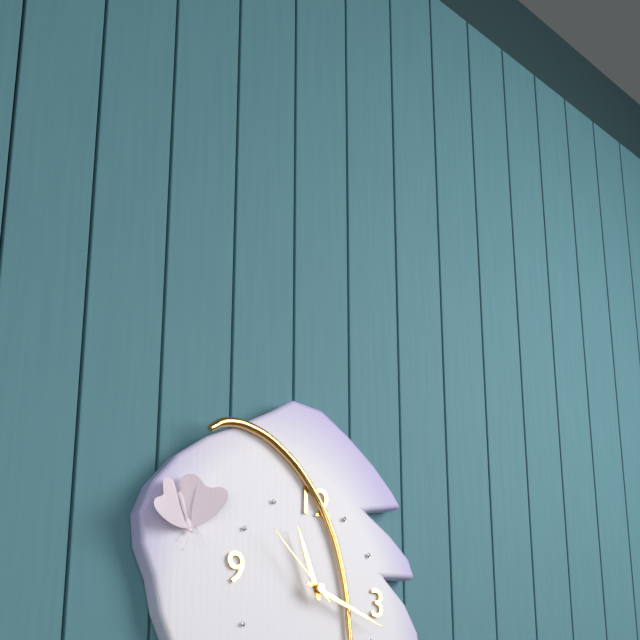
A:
11,18,52
